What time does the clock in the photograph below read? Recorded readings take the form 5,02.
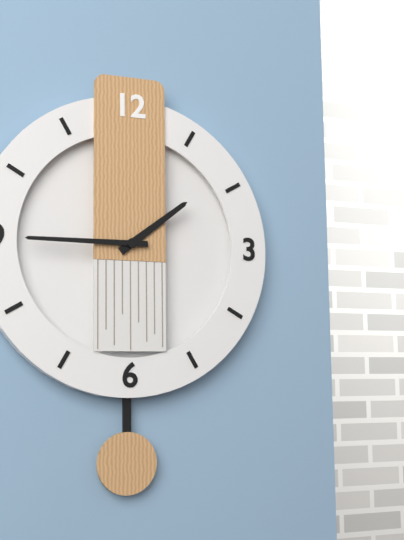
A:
1,45
